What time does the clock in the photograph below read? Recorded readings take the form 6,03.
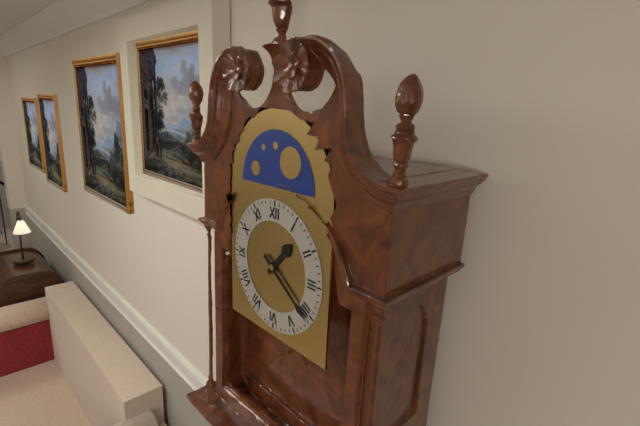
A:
1,21
